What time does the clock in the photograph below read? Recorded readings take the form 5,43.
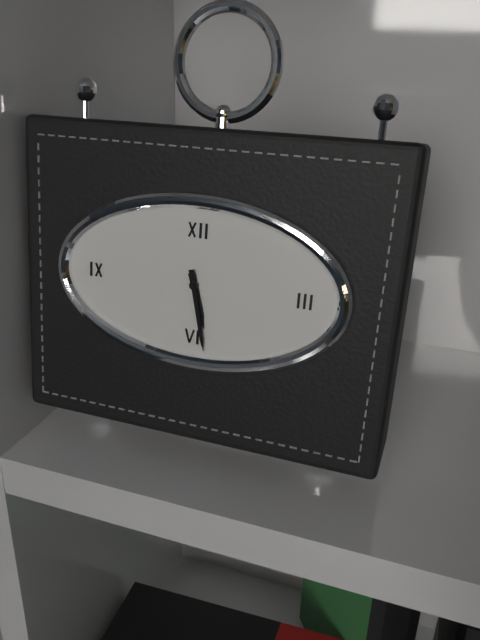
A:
5,28
